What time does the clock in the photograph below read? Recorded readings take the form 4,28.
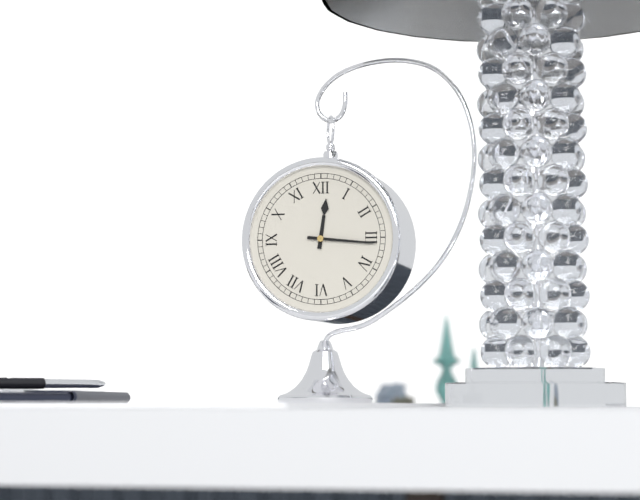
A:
12,16
